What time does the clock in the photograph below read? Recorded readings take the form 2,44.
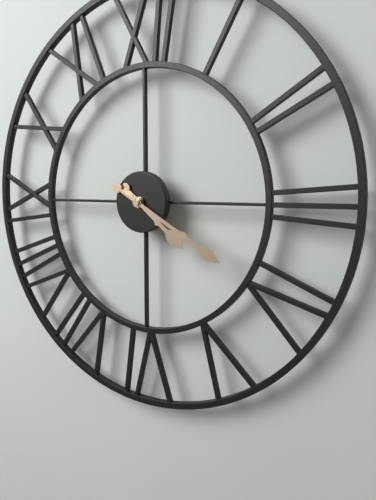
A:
4,20
